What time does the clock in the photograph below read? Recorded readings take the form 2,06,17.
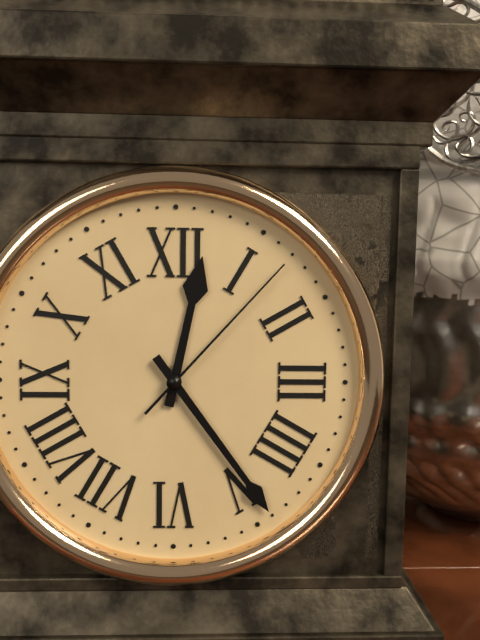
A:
12,24,07
